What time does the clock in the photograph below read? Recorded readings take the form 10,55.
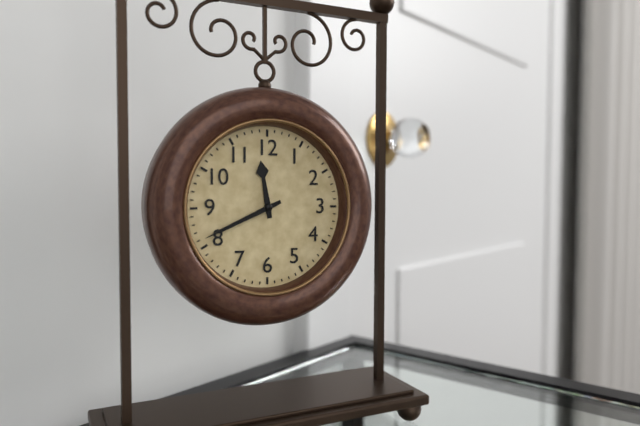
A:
11,41
